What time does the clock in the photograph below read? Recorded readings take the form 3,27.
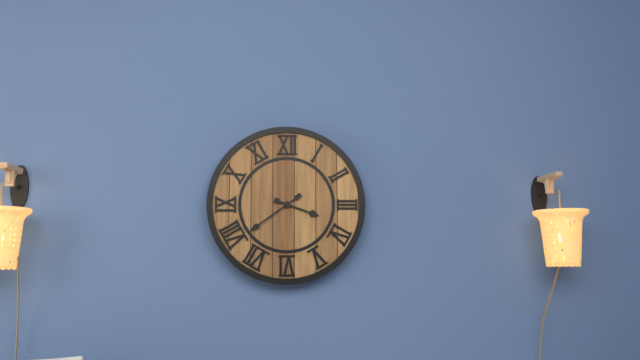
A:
3,39
